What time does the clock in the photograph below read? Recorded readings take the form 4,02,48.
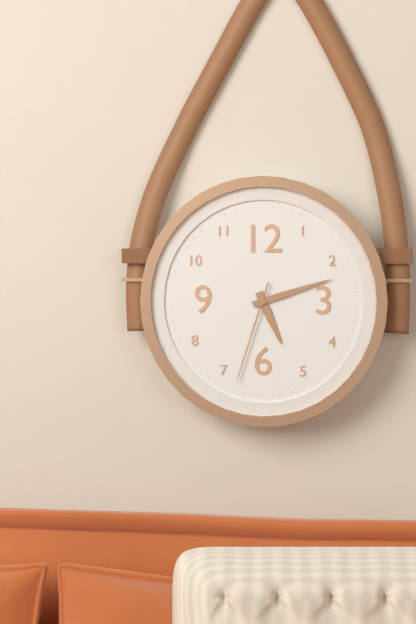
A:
5,12,33
